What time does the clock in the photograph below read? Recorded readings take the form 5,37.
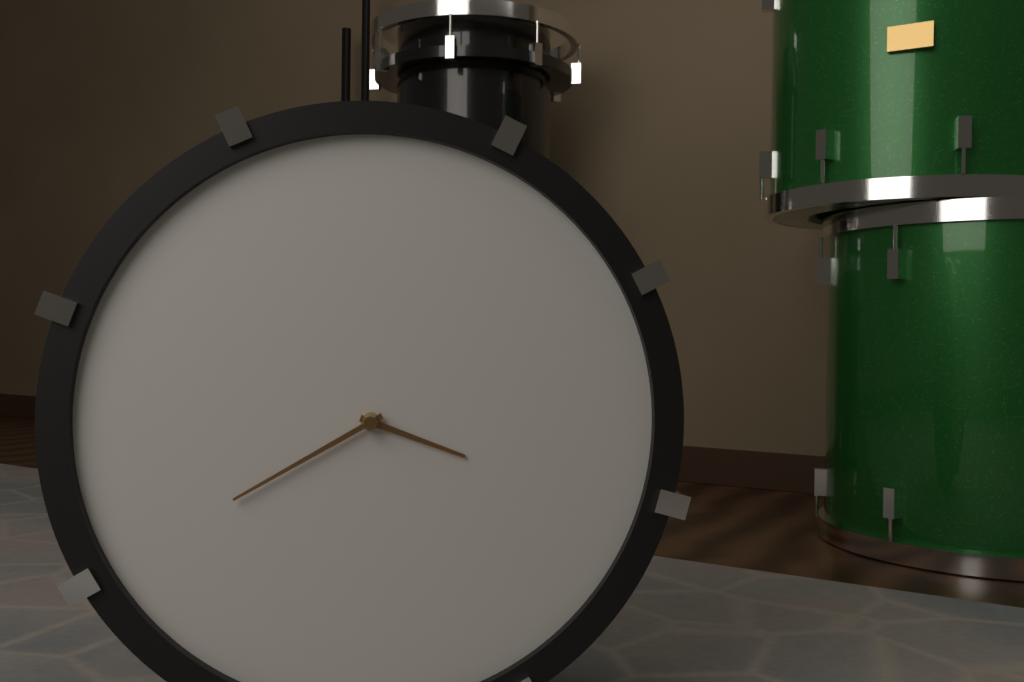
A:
3,40
